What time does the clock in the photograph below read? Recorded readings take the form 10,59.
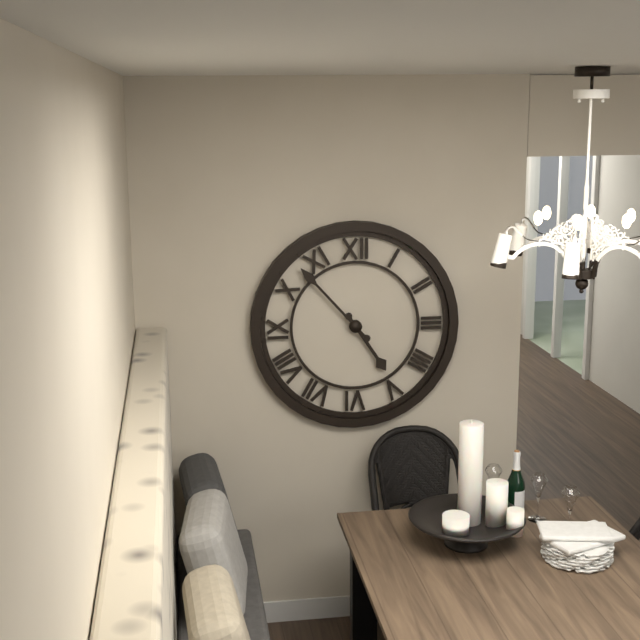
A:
4,53
